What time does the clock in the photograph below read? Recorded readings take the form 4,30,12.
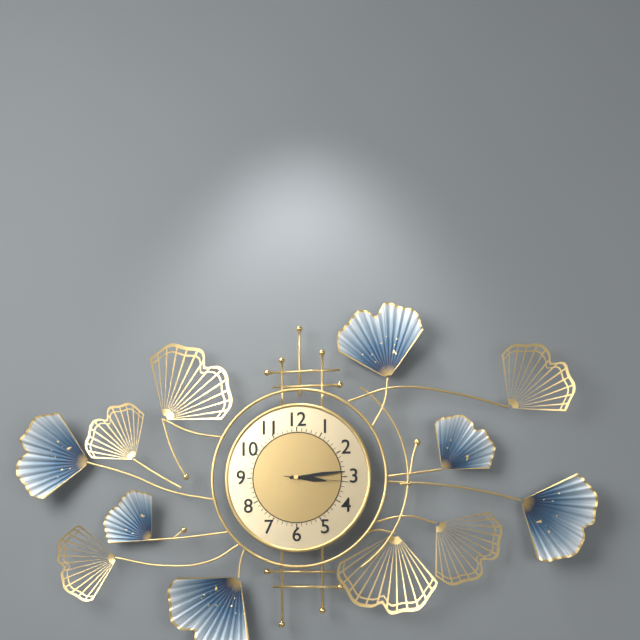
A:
3,14,16
